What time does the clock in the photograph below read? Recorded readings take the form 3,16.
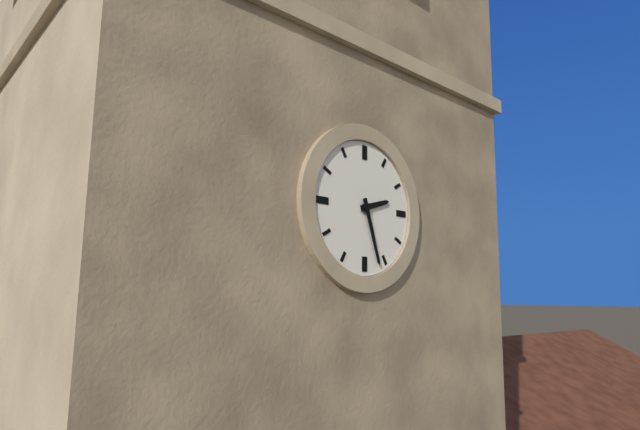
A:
2,27
